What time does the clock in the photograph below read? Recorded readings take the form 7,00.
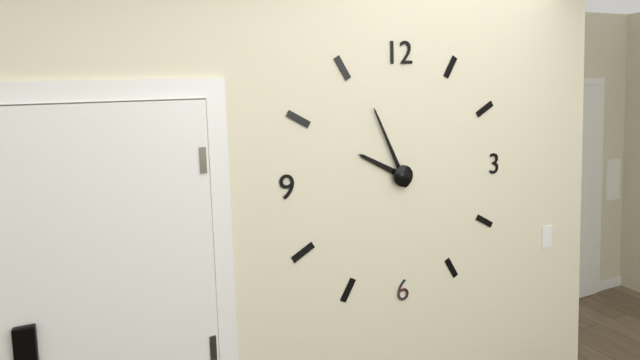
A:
9,56
